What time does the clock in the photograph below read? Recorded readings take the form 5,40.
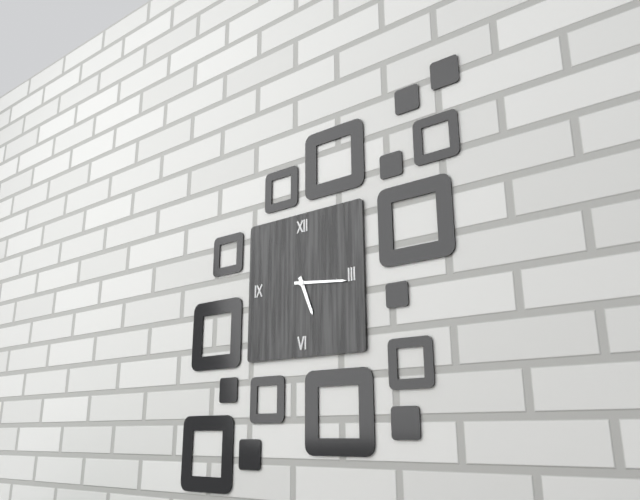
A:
5,16
